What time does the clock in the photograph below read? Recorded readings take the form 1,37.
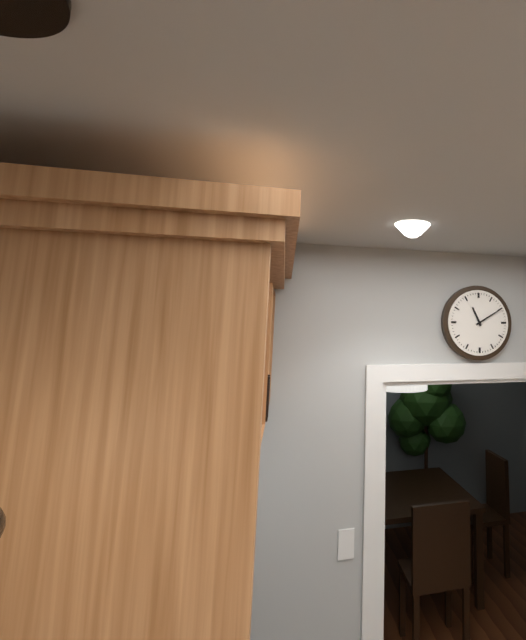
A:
11,10
